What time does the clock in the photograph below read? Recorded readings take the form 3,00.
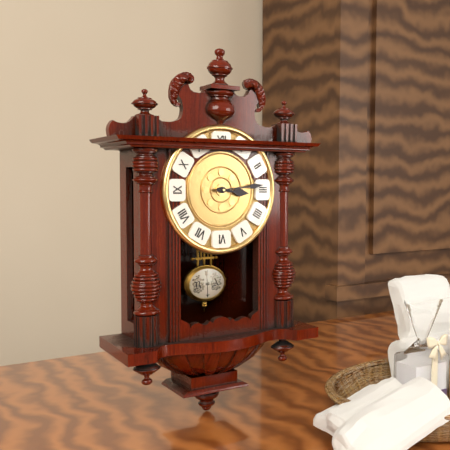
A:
3,14
